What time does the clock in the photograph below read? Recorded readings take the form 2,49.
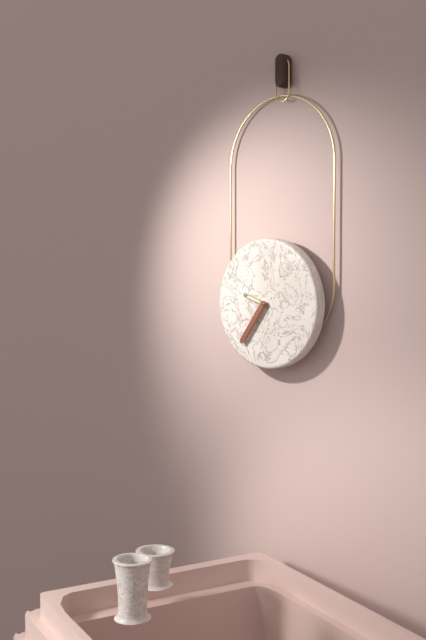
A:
9,36
